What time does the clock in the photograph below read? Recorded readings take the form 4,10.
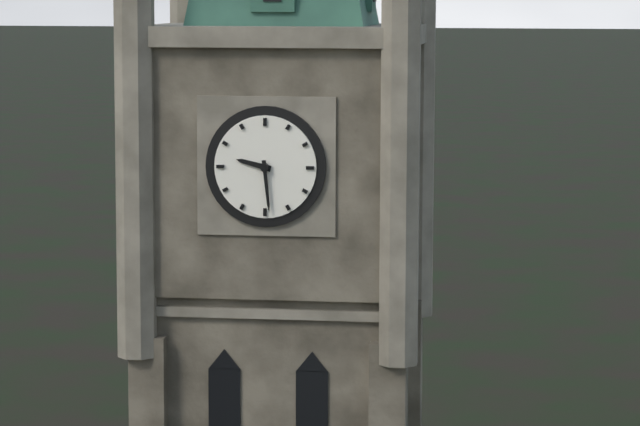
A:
9,29
